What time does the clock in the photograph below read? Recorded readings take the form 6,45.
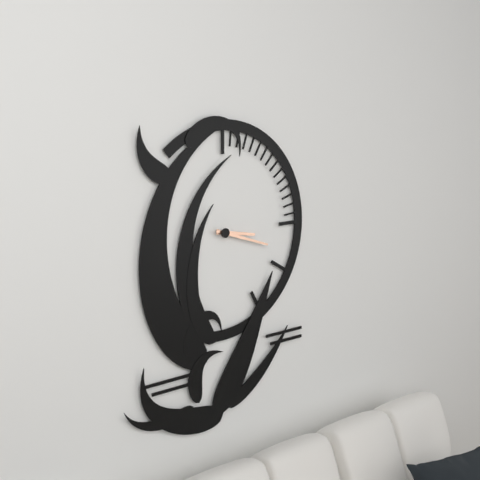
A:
3,18
